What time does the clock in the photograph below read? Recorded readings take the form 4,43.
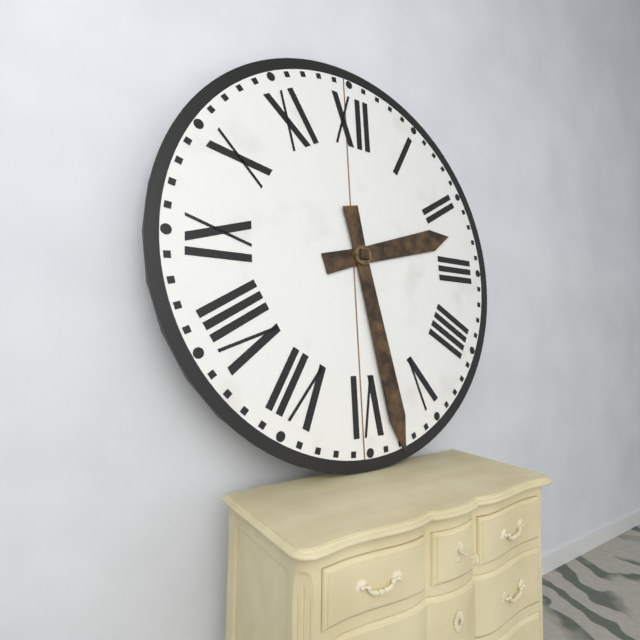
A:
2,28
